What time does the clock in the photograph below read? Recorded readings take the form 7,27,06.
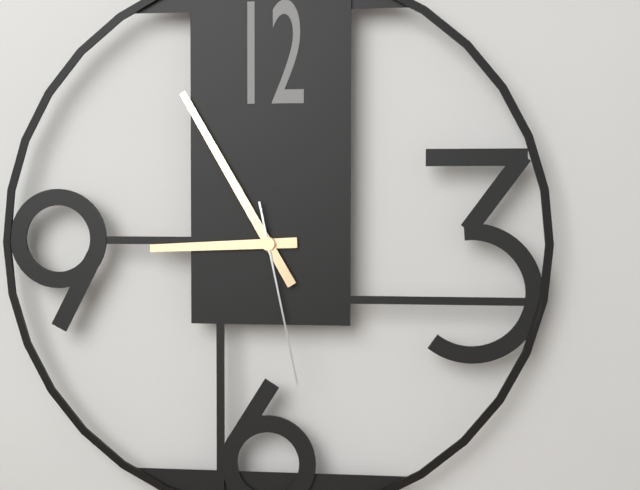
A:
8,55,28
